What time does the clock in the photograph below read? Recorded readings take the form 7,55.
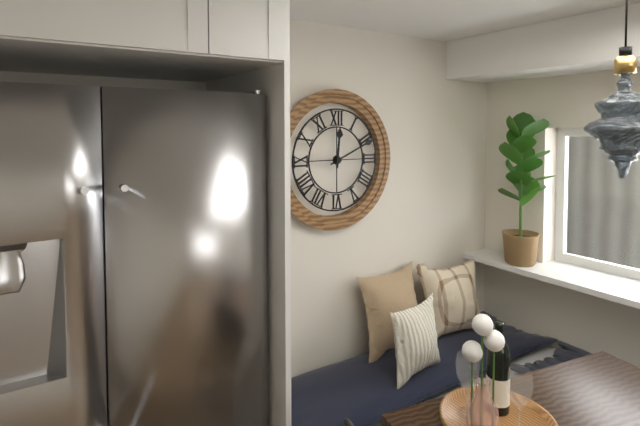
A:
12,11
